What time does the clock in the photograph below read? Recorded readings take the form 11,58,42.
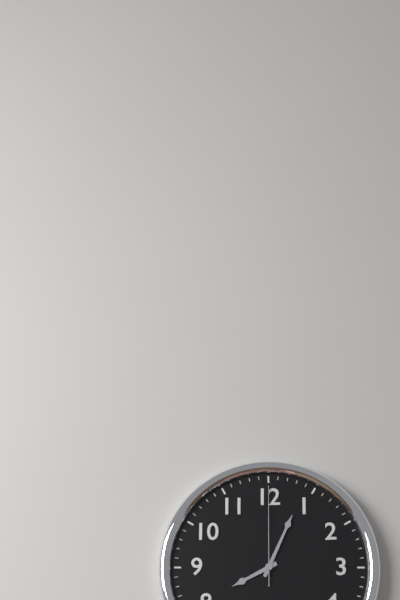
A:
8,04,00
